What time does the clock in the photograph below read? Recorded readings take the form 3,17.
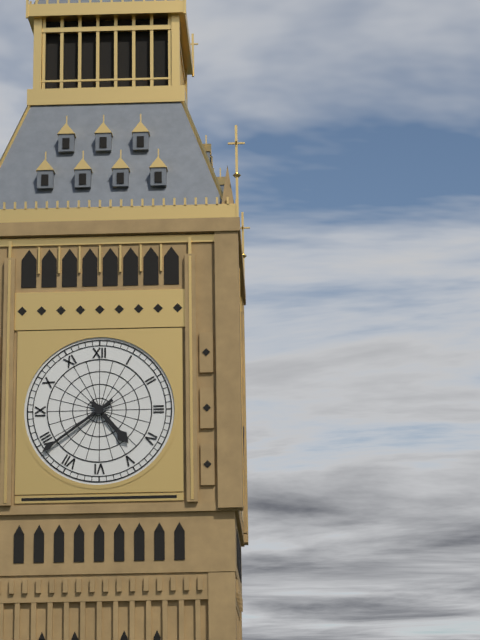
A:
4,39
